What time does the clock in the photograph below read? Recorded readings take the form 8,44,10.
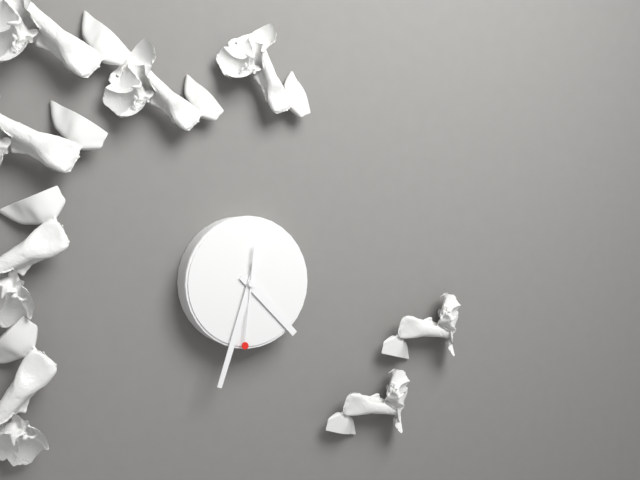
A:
4,33,31
